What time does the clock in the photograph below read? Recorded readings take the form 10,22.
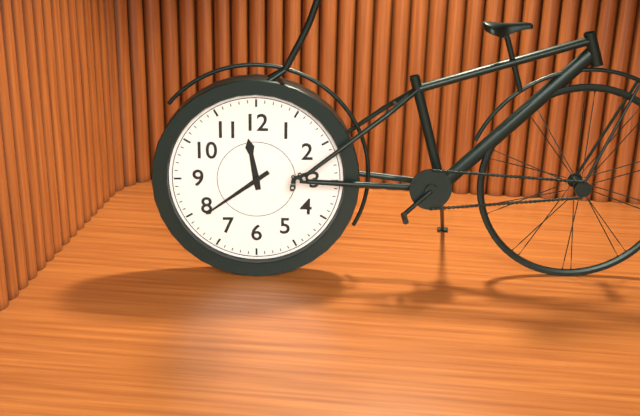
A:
11,39
